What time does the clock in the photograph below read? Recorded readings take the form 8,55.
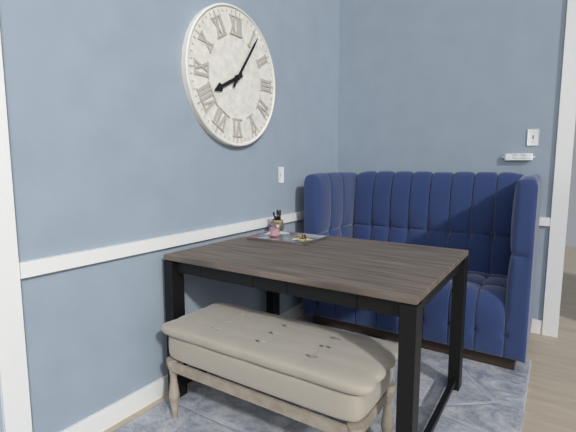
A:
8,06
